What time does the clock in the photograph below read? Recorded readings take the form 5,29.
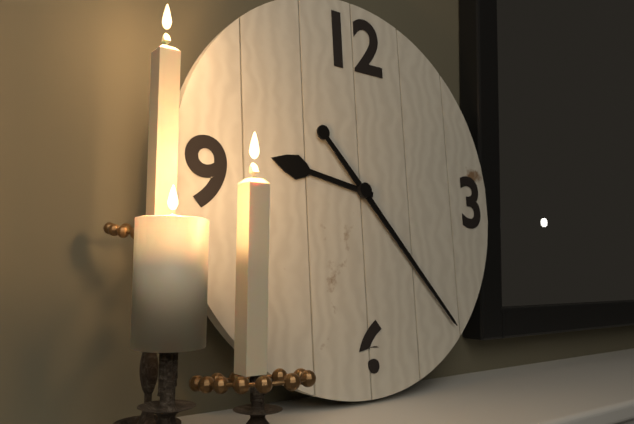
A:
9,23
